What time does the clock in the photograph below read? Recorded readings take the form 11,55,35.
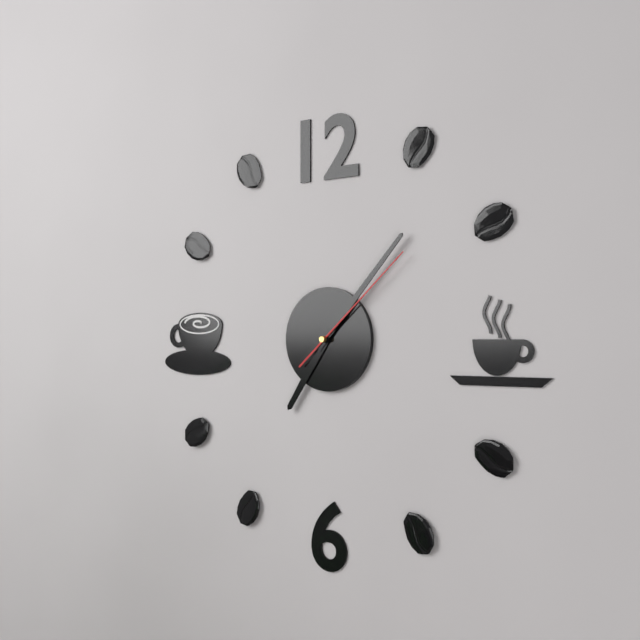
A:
7,07,08
